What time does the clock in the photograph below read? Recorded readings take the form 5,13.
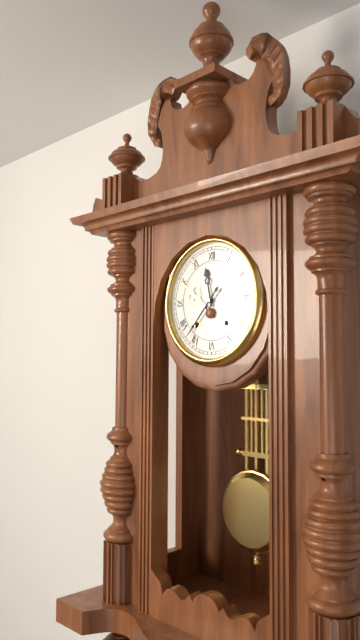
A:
11,37
